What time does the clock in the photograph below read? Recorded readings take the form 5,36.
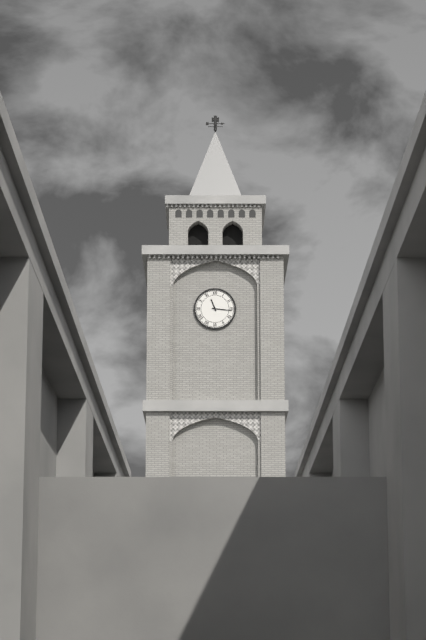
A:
11,16
